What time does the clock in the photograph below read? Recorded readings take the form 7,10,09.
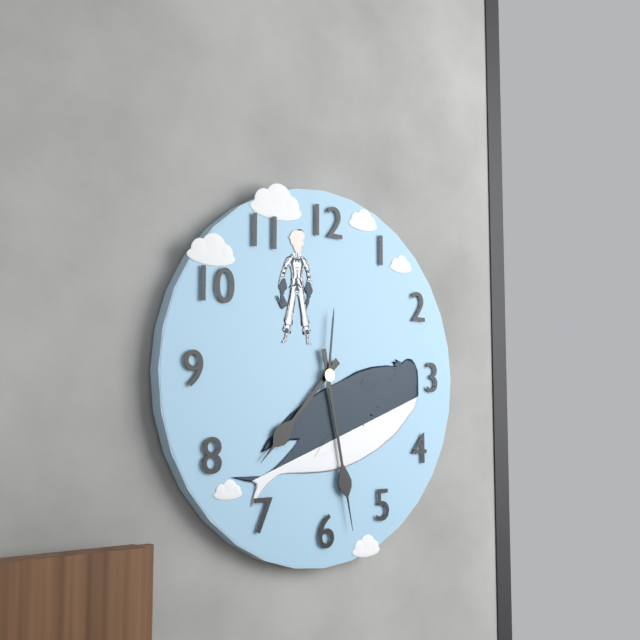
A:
7,28,01
